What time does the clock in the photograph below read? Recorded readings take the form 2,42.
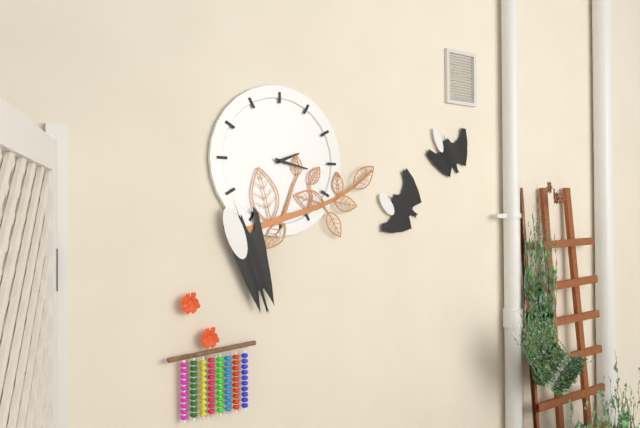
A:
2,17
